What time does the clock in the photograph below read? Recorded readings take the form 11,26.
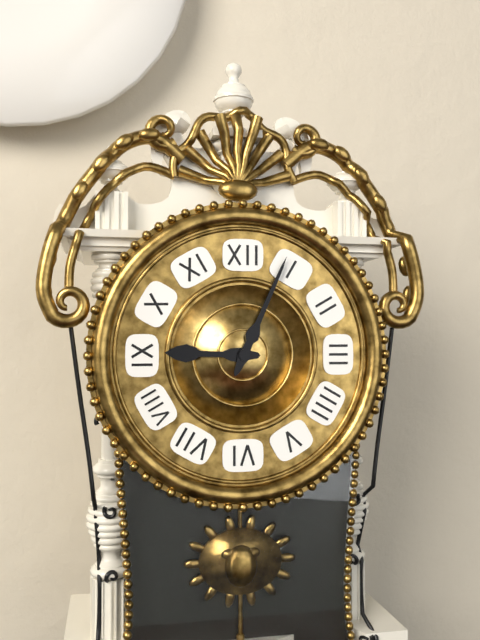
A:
9,04
